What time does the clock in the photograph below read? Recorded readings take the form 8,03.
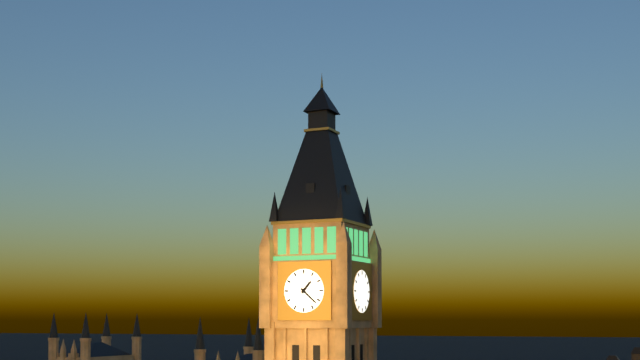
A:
1,22
